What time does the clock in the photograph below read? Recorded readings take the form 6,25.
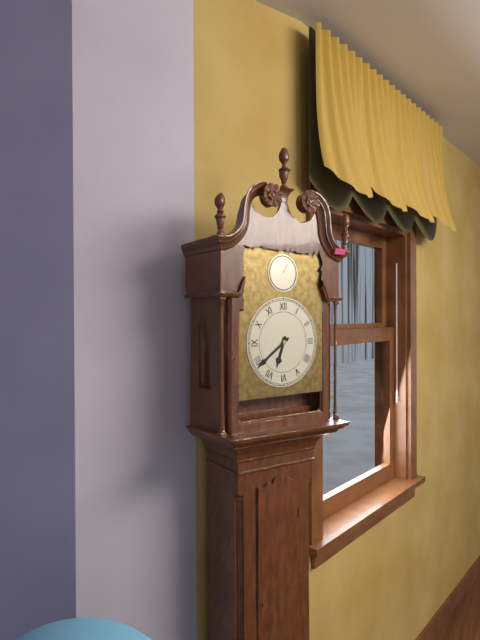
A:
6,39
